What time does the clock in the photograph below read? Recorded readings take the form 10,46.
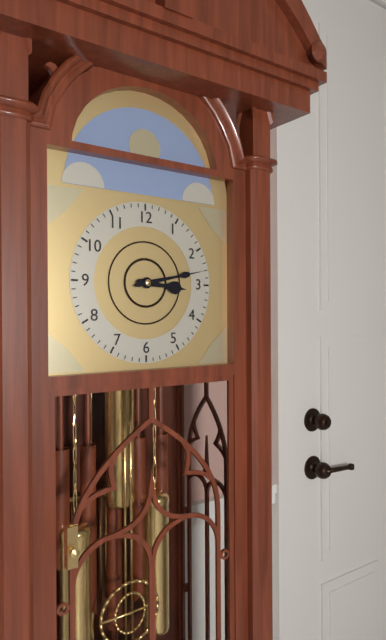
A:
3,13
